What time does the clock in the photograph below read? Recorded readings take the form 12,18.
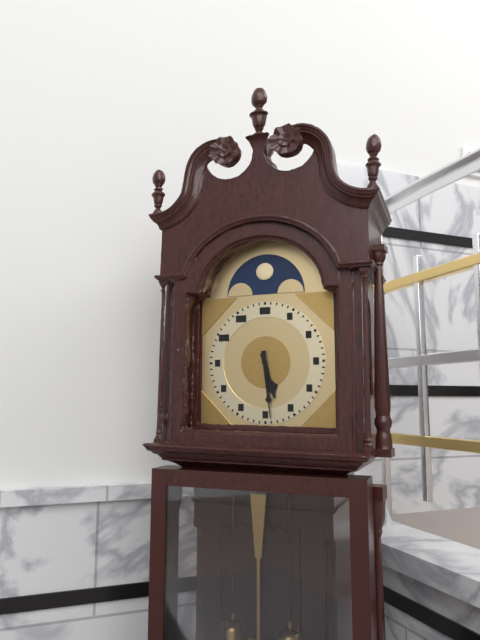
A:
5,29
